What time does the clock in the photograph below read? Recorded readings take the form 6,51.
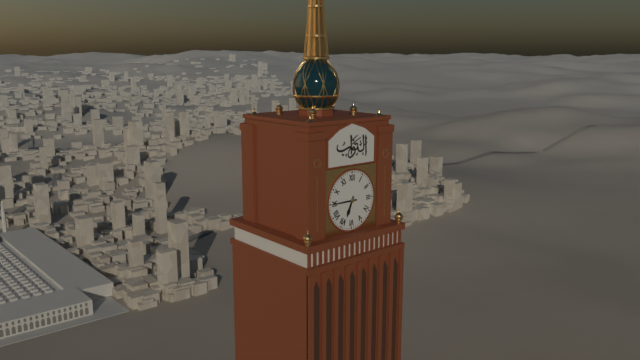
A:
6,45
